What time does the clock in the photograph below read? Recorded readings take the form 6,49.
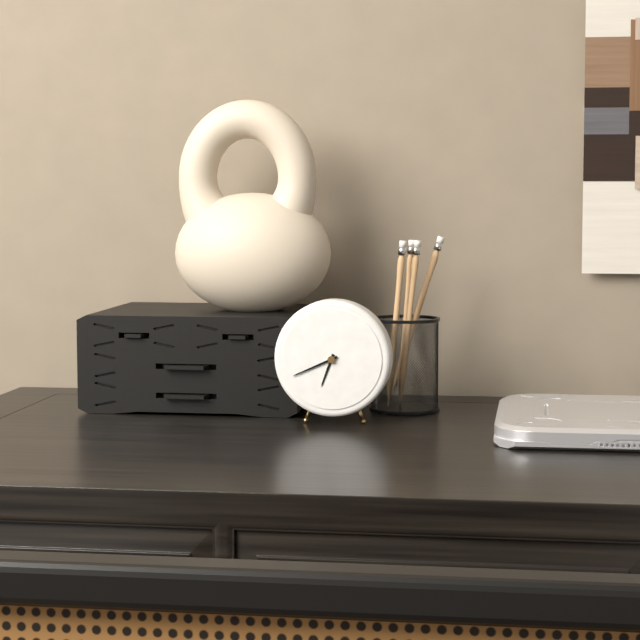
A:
6,41
